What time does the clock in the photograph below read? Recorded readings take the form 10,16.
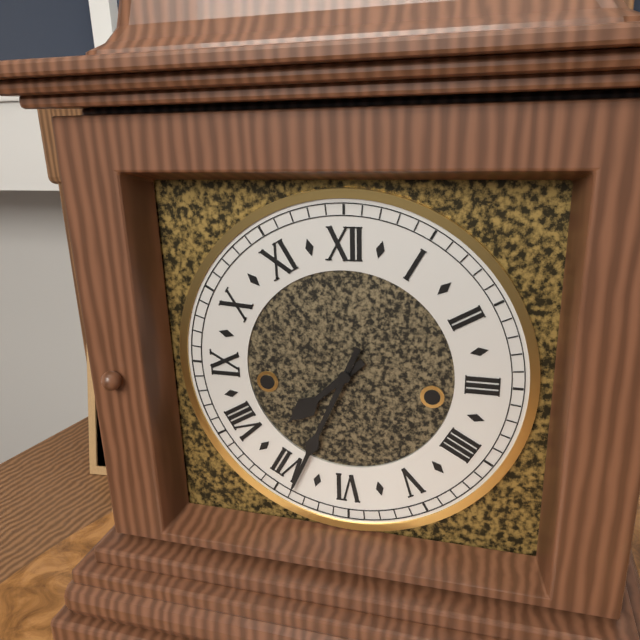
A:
7,34
